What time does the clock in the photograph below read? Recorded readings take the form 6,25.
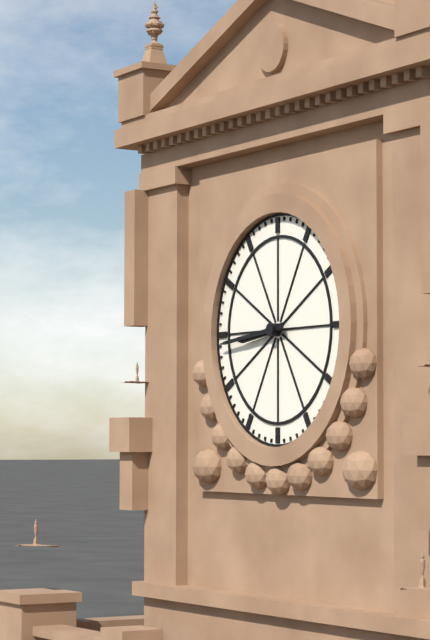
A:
8,44
